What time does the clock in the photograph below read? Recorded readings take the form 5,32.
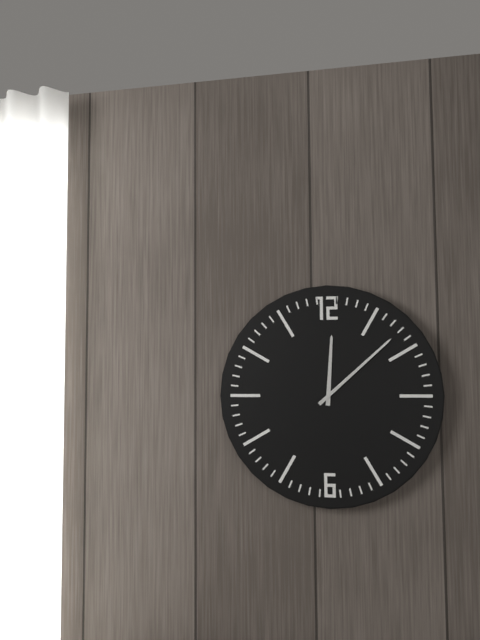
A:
12,08
